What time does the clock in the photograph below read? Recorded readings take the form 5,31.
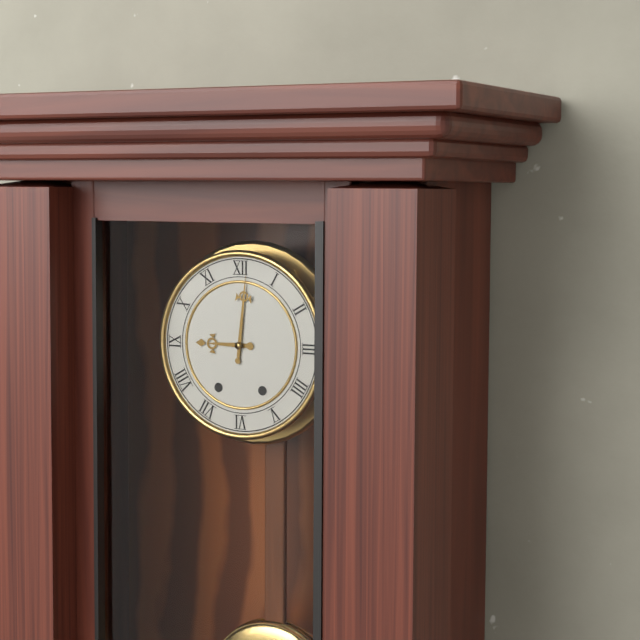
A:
9,01
